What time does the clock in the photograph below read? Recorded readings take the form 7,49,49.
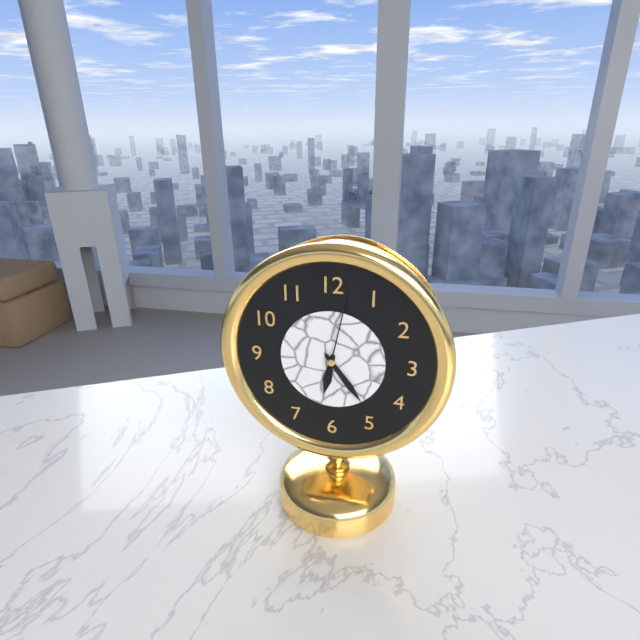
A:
6,24,02
